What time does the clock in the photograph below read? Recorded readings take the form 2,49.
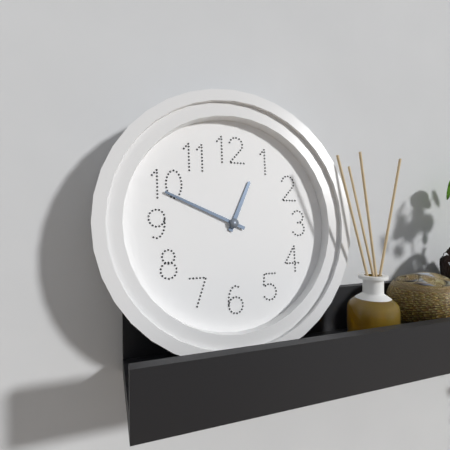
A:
12,49
